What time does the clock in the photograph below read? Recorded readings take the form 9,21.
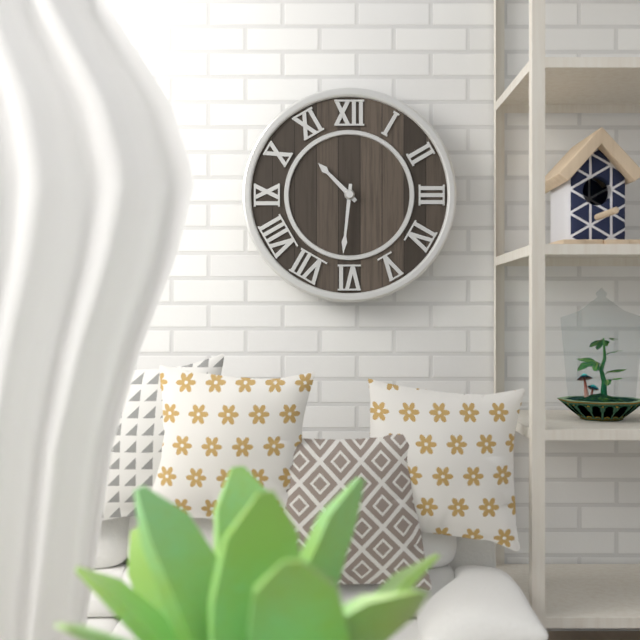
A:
10,31
